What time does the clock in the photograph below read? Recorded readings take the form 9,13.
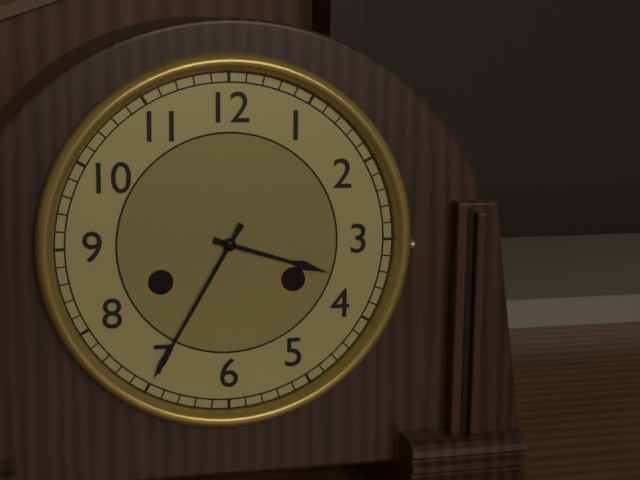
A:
3,35
